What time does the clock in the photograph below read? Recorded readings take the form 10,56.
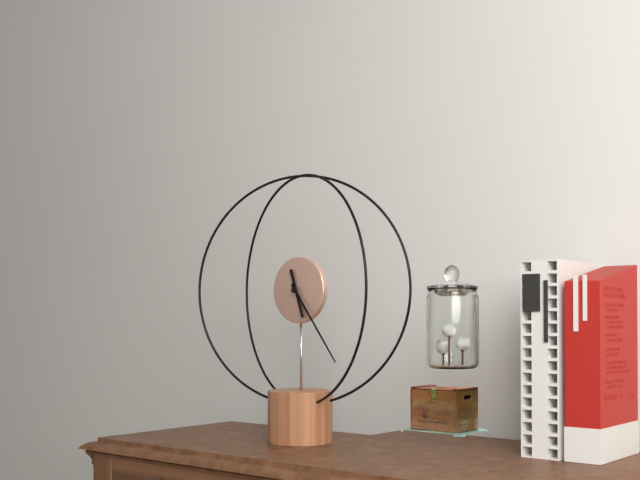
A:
5,24
